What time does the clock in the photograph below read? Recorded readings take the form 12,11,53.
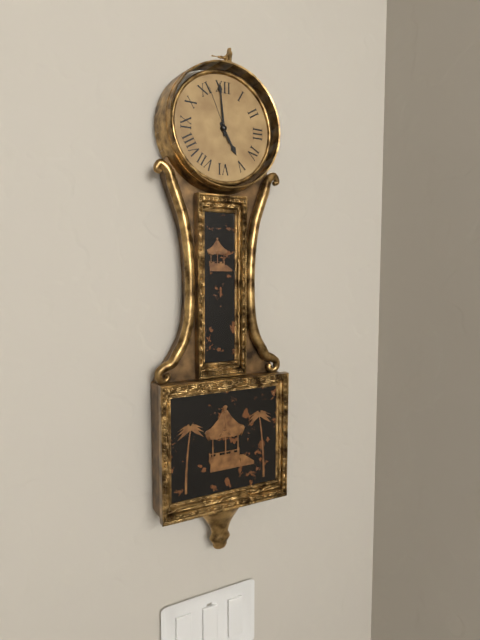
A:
4,59,56
